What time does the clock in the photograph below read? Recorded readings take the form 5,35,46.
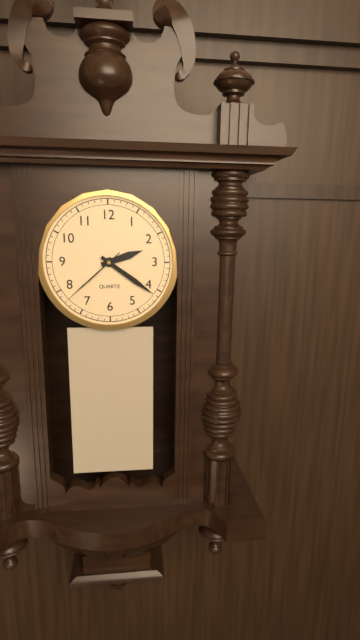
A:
2,21,38
